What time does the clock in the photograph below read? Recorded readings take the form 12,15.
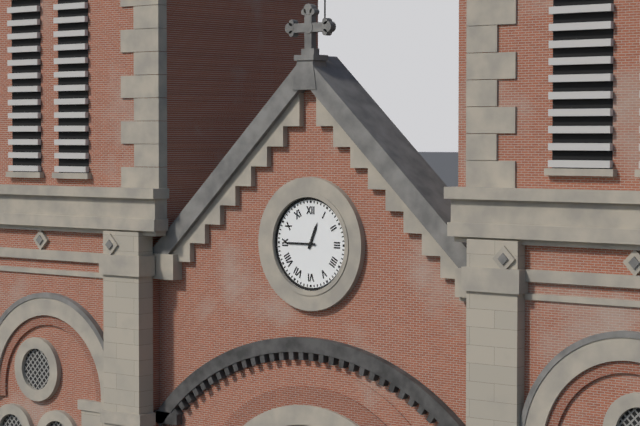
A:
12,45
